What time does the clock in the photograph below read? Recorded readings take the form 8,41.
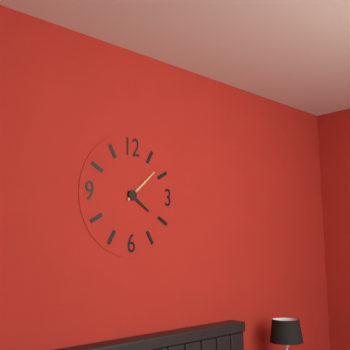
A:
4,08
